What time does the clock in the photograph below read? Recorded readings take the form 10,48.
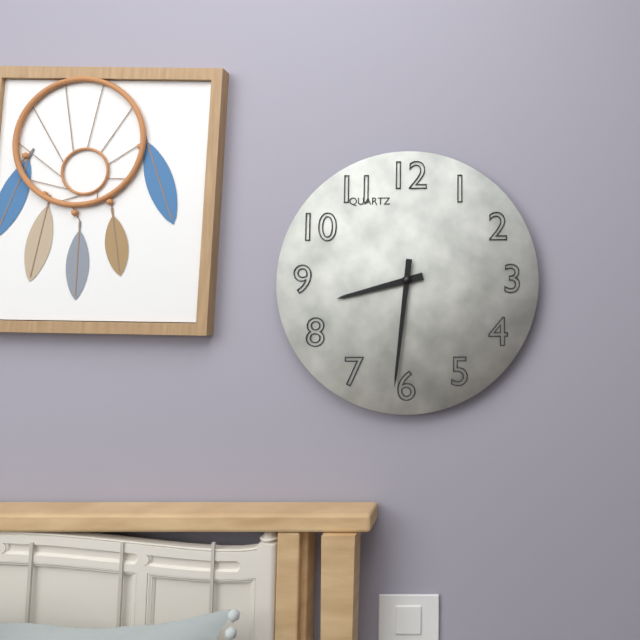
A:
8,31
